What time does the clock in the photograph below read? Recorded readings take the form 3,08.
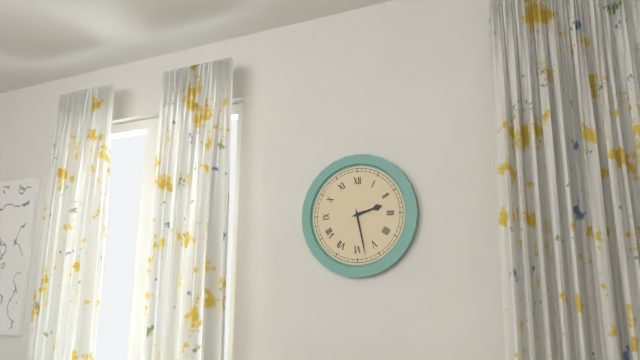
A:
2,28
